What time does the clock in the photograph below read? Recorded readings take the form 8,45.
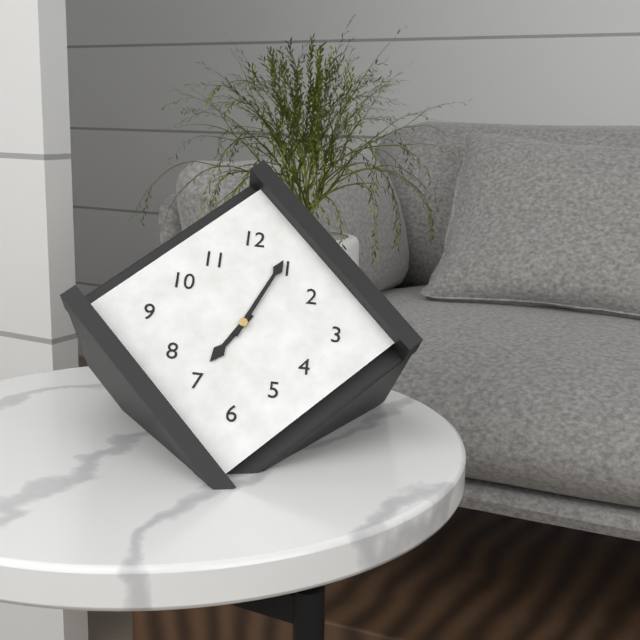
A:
7,04
